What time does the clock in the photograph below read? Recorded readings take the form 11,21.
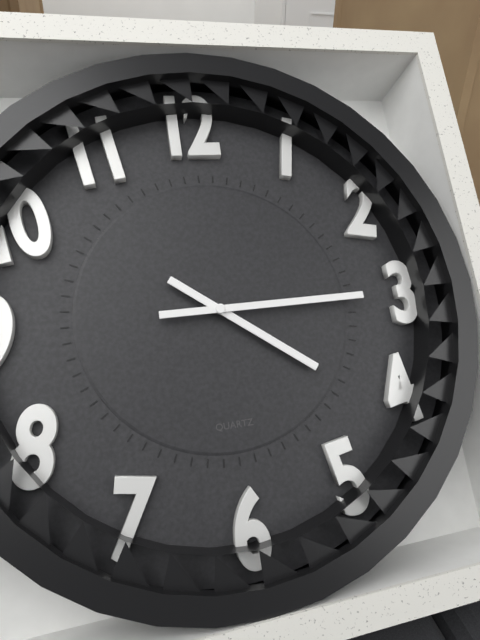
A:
4,15
